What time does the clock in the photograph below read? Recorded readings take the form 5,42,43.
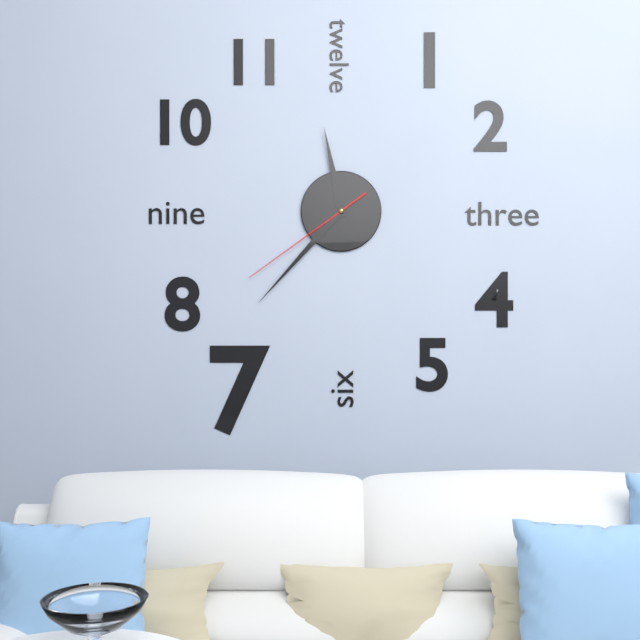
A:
11,37,39
